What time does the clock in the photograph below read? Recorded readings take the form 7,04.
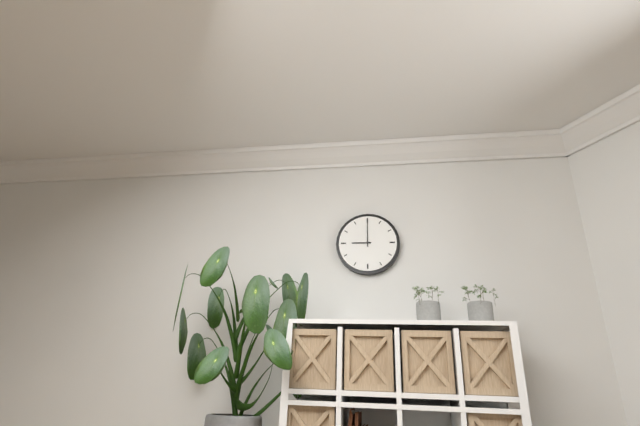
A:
9,00
